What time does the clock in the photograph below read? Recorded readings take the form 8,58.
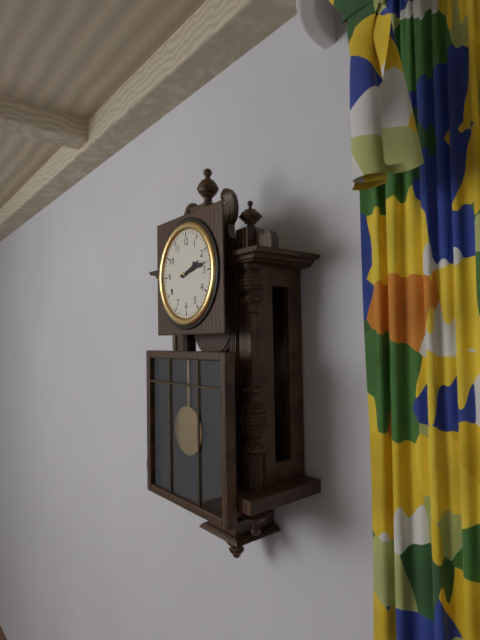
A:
2,13
